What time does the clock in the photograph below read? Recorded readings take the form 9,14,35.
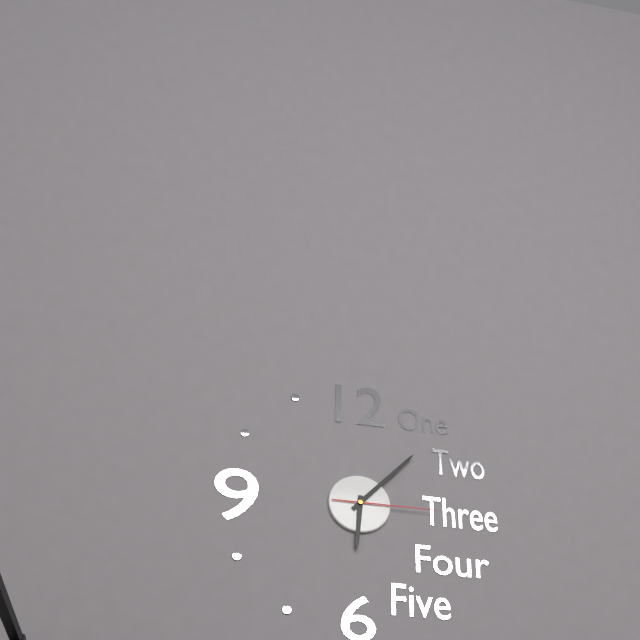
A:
6,07,15
